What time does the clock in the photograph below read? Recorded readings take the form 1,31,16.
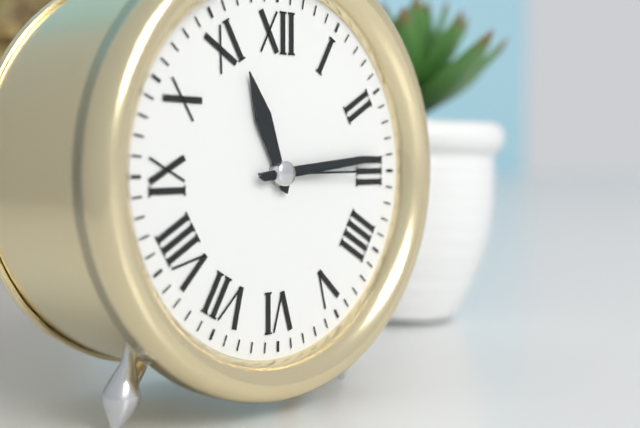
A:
11,14,15
